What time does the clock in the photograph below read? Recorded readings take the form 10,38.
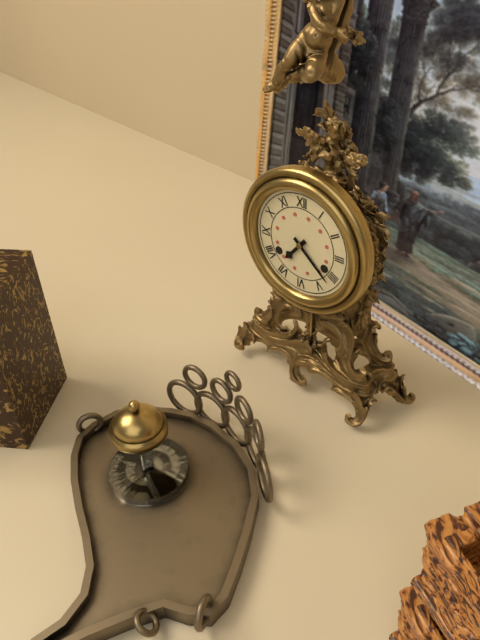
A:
7,22
